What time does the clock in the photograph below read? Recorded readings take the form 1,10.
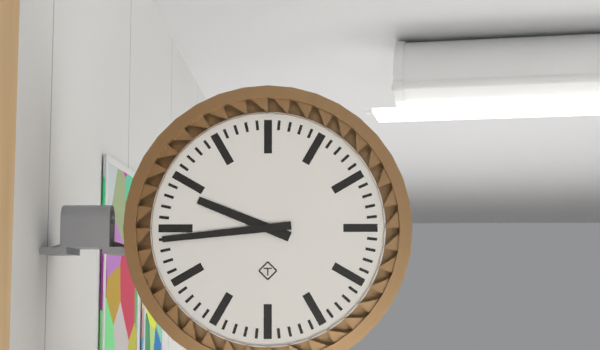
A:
9,44
